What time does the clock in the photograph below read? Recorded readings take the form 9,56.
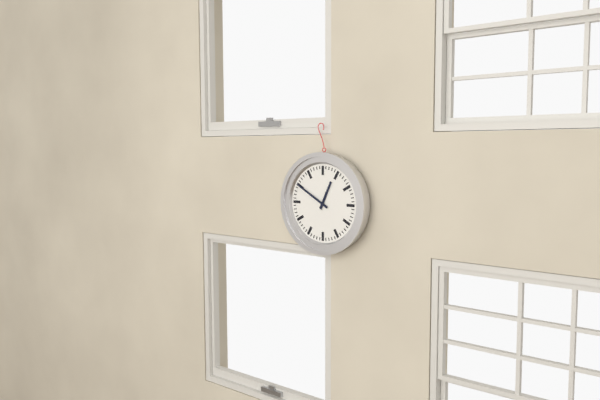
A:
12,50
